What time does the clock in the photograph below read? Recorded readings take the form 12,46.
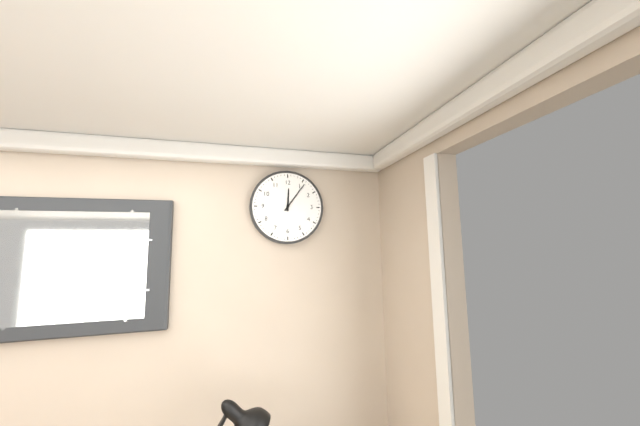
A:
12,06
